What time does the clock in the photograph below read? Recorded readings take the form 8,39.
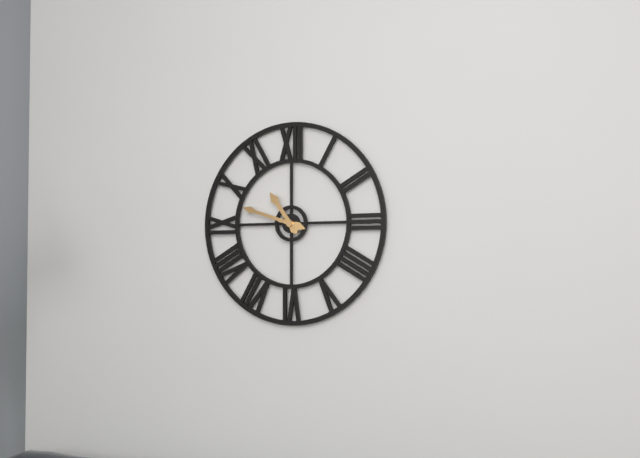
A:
10,48
